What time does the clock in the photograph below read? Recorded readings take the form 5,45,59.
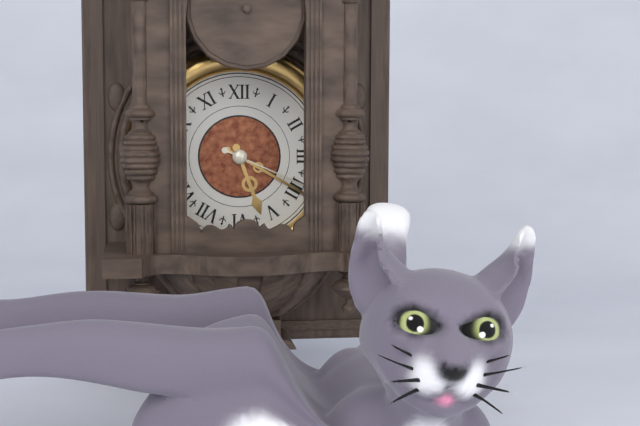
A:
5,20,19
